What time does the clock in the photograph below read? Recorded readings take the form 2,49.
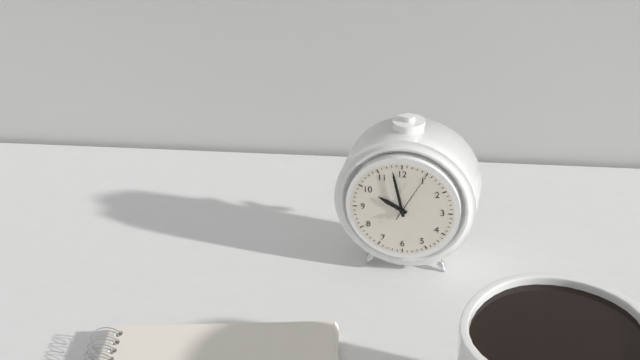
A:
9,58
